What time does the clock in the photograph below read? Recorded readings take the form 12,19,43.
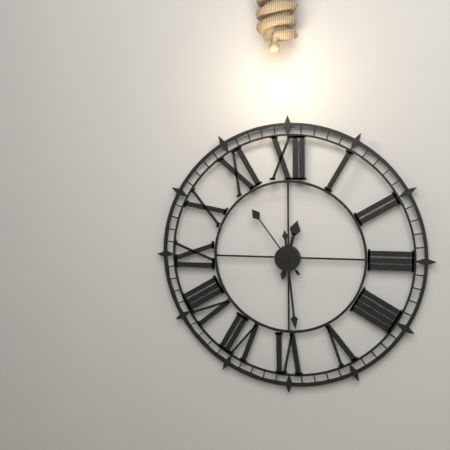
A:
12,29,54
